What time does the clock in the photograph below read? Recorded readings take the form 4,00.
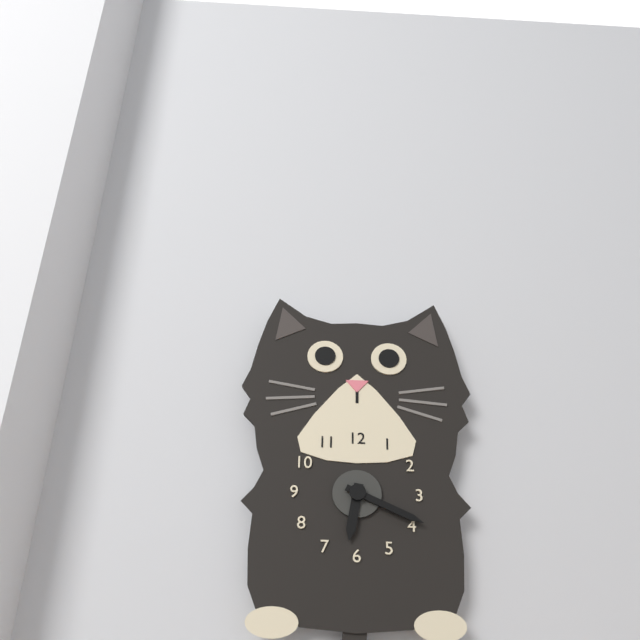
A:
6,19
